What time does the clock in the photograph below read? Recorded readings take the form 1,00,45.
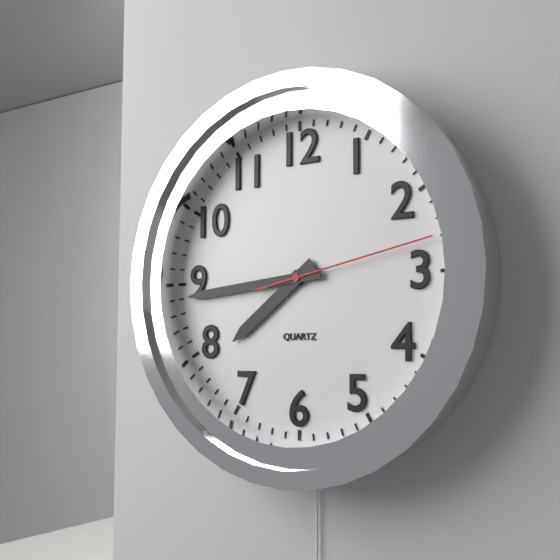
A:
7,44,13
